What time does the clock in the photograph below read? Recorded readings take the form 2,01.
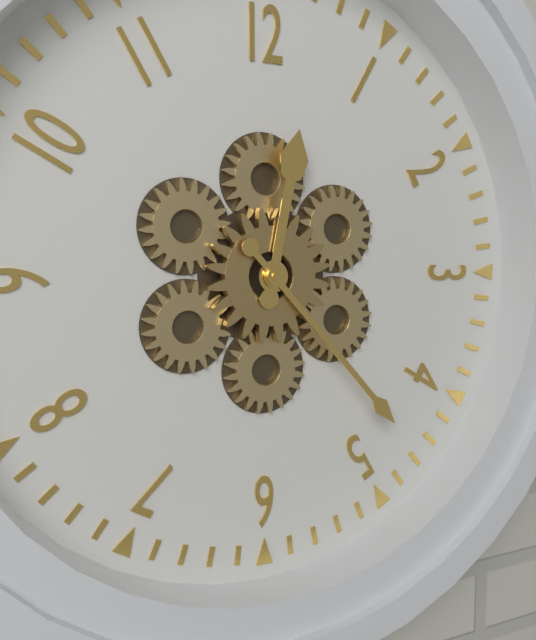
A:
12,23
